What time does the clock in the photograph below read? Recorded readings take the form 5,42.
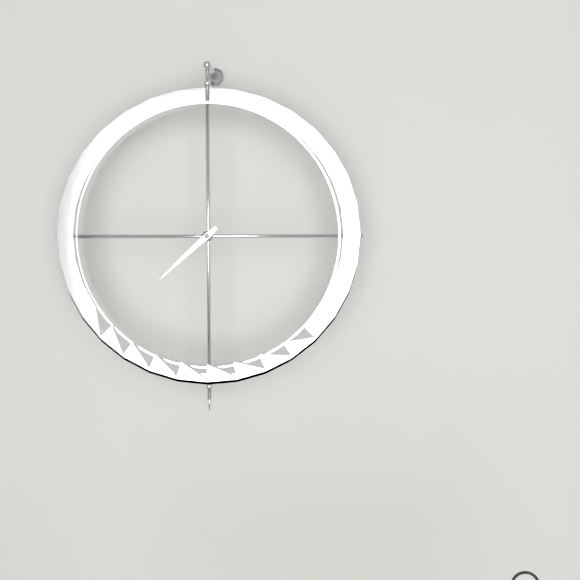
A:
7,38
